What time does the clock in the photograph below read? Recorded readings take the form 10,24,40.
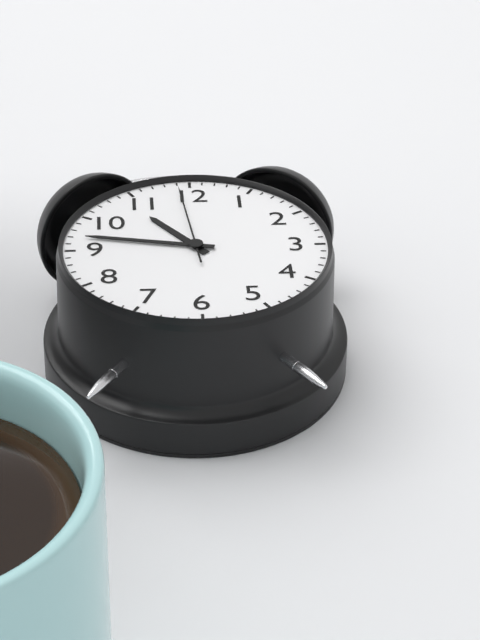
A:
10,47,59
